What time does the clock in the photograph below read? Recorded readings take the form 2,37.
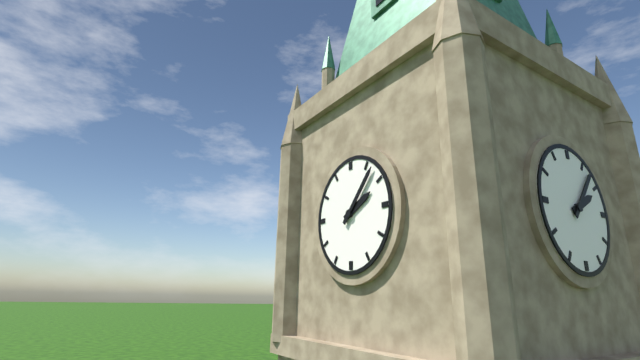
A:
2,07
